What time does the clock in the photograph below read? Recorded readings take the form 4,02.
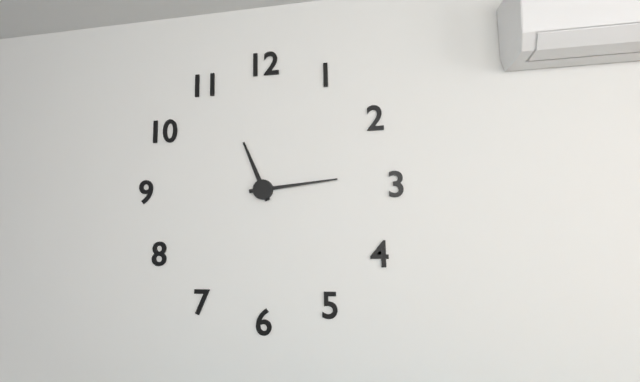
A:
11,14
